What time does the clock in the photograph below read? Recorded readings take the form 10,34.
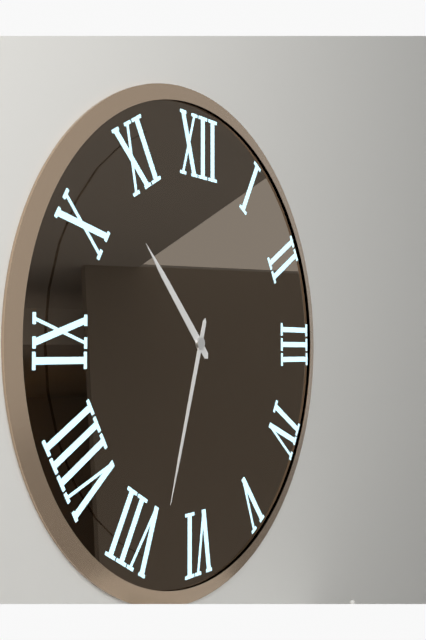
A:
10,33
